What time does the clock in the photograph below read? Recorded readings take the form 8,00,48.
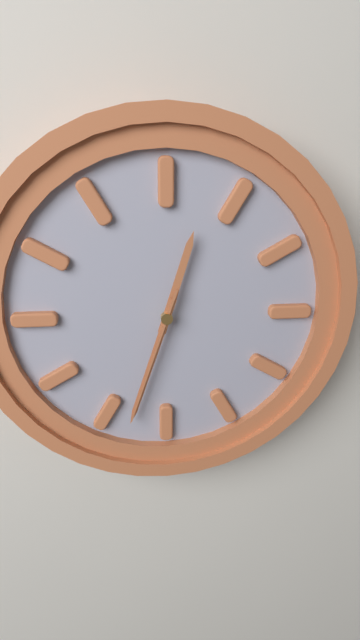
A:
12,33,33
